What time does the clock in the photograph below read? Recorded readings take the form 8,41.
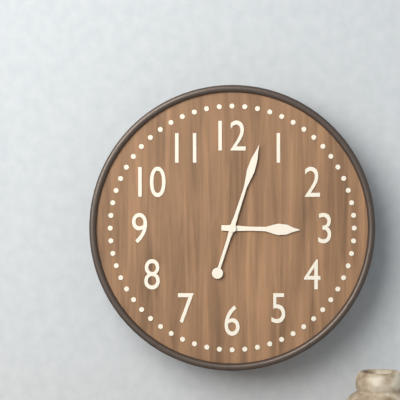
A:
3,03
